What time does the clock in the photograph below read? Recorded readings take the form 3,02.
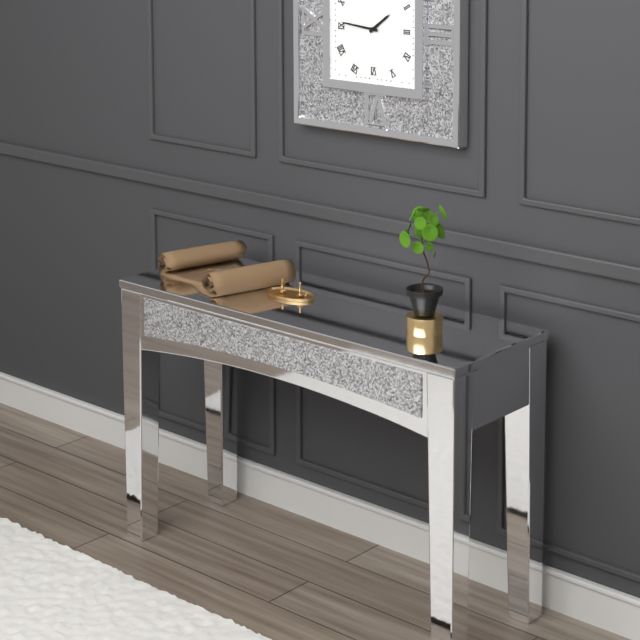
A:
1,46
